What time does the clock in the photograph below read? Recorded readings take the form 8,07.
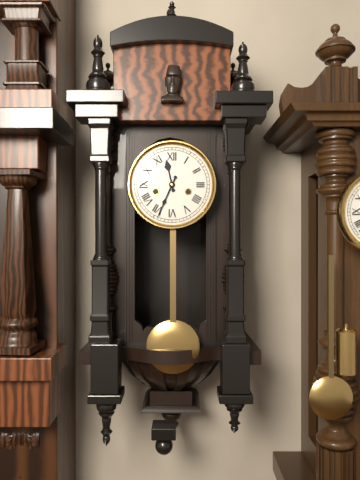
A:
11,34
